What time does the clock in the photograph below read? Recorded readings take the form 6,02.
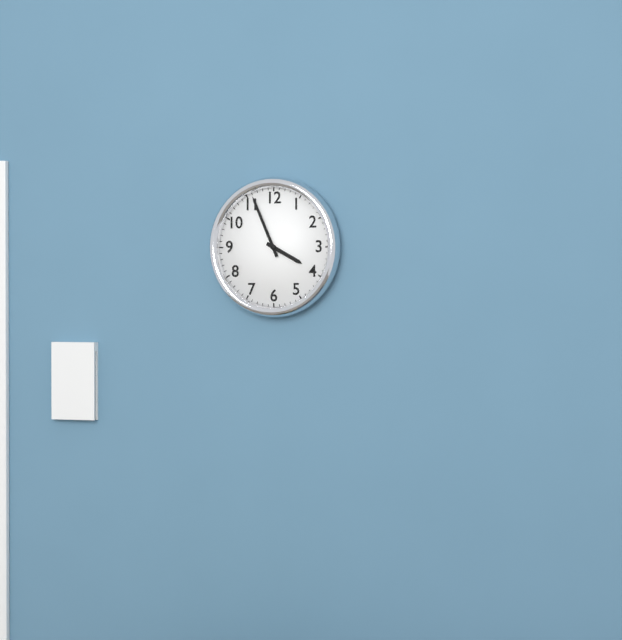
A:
3,56
